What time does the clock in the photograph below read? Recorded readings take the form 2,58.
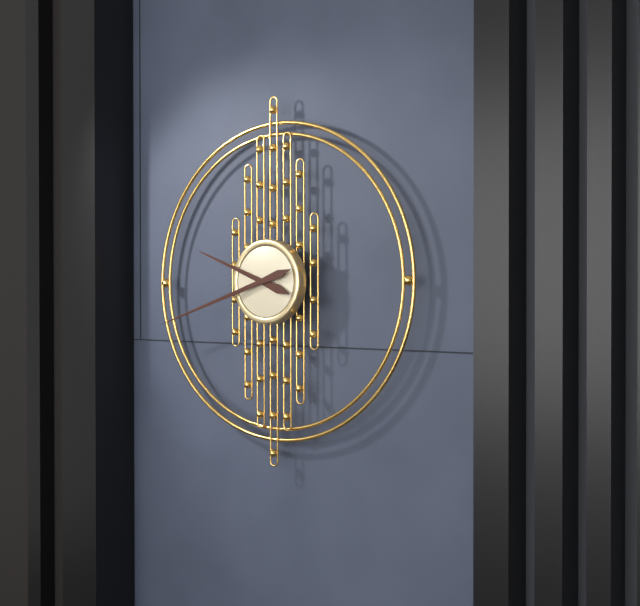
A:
9,42
